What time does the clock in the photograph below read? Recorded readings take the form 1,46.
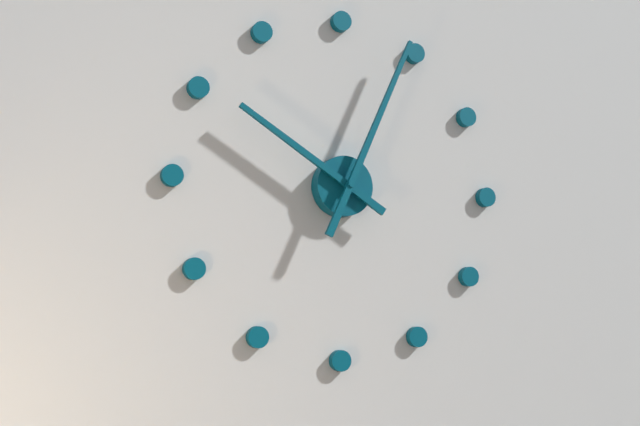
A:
10,04
